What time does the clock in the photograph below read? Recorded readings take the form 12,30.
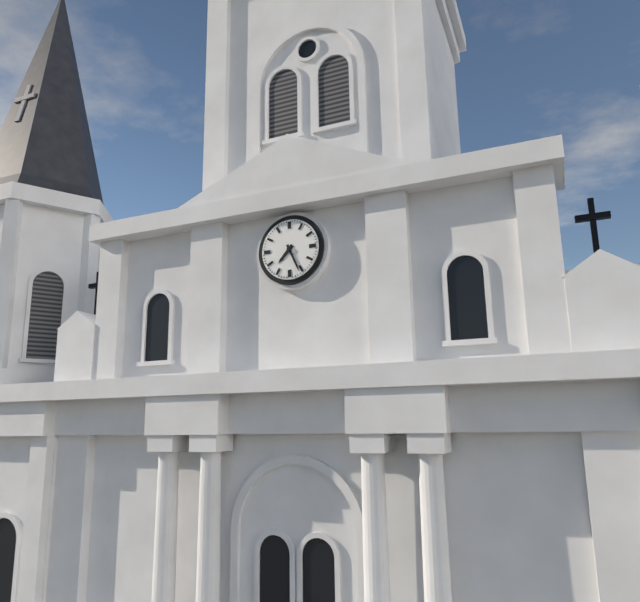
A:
7,26
